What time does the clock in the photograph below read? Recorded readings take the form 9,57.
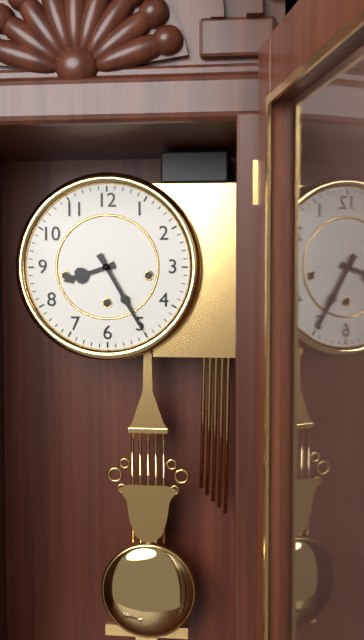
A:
8,25
